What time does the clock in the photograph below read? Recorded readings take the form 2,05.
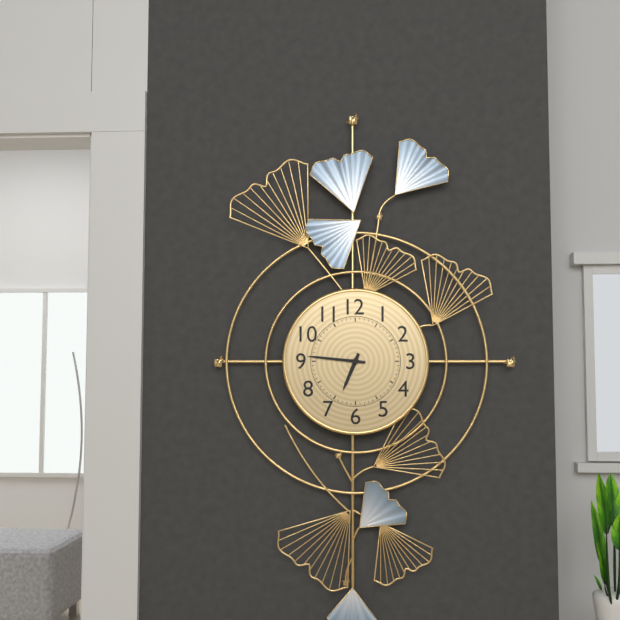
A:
6,46
